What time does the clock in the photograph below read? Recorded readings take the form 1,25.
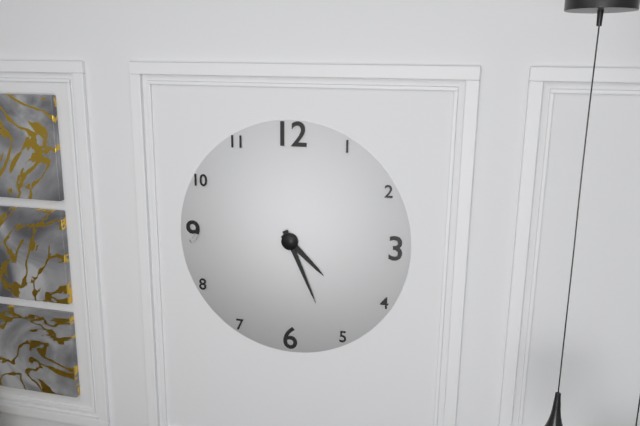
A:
4,26
